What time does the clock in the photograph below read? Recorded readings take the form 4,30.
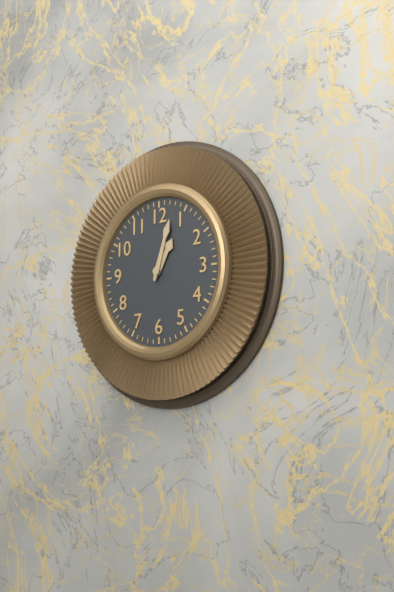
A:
1,03
